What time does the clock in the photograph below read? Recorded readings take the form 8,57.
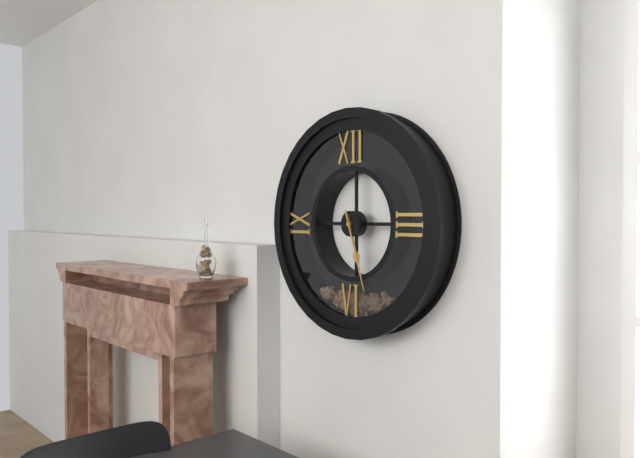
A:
5,27
